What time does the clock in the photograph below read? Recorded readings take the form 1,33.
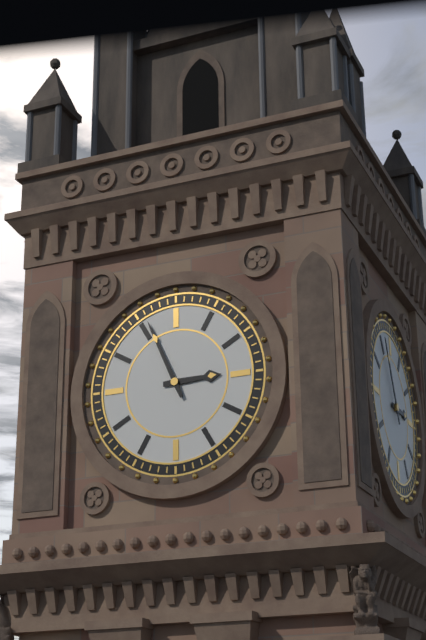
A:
2,56
